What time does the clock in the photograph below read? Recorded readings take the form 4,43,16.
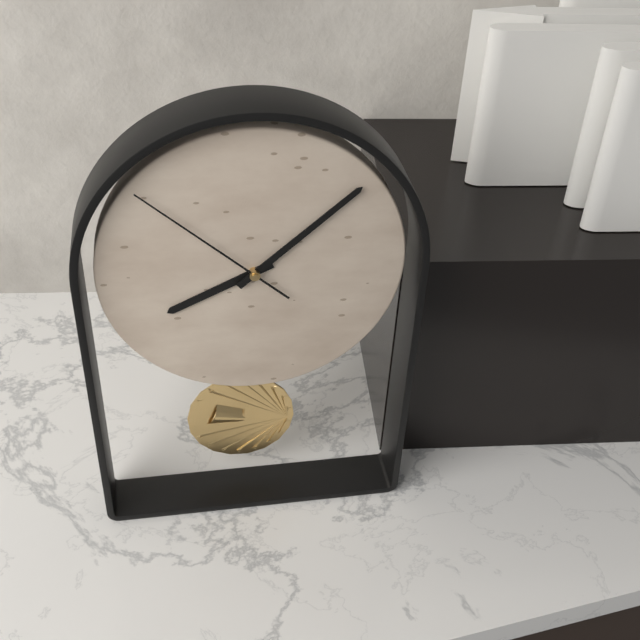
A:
8,08,52
